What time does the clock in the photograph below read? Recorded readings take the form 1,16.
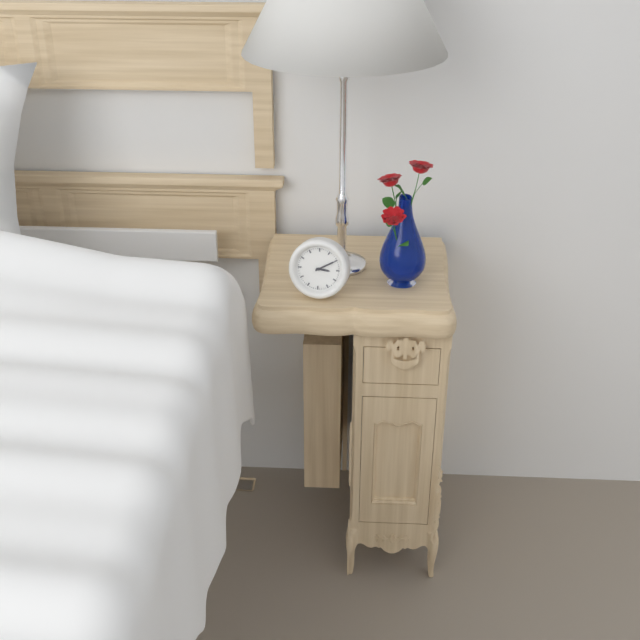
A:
3,10
